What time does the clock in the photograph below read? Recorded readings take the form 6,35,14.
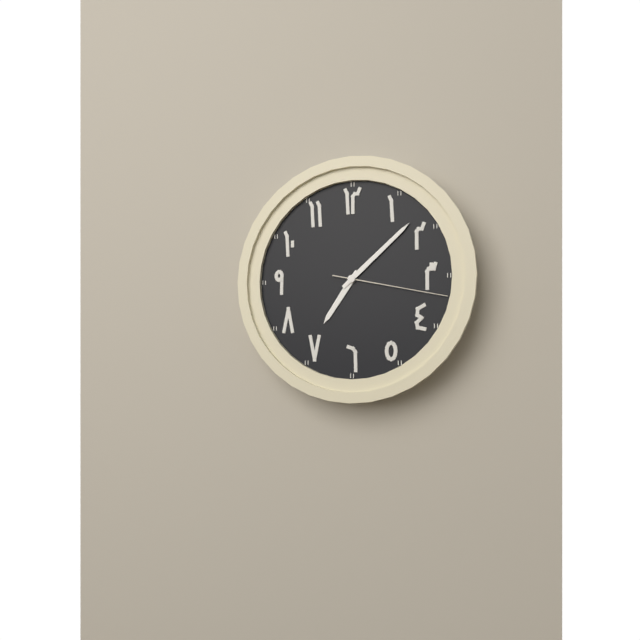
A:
7,08,17
